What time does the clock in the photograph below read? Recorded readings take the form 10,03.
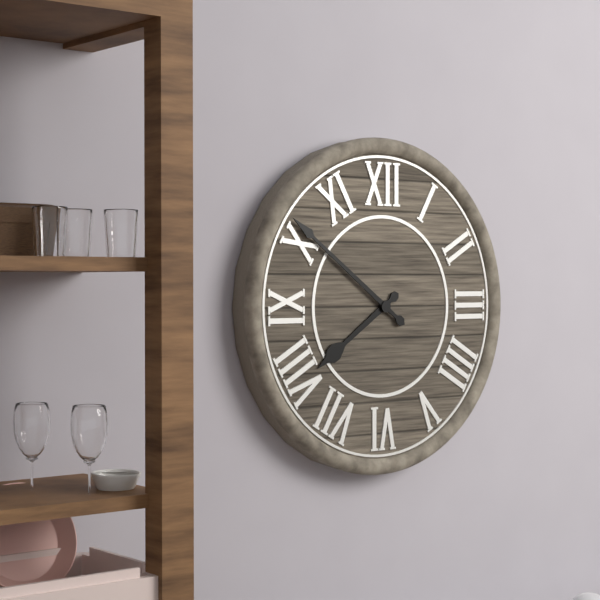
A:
7,51
